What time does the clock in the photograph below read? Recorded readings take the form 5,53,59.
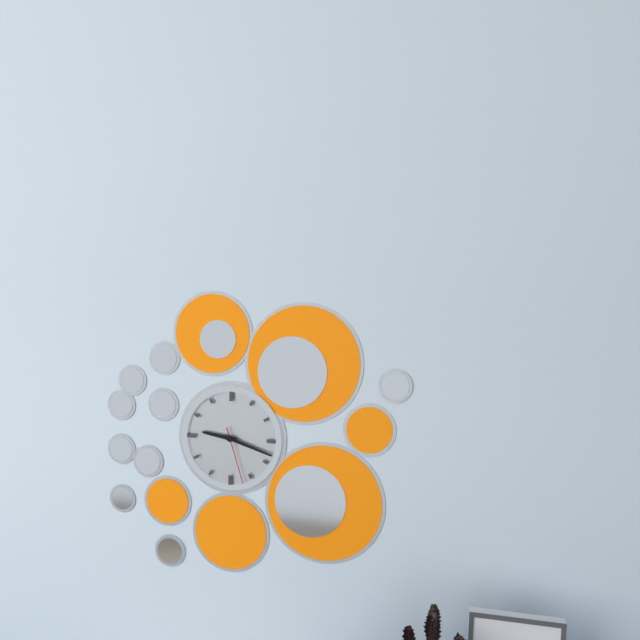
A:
9,18,27
